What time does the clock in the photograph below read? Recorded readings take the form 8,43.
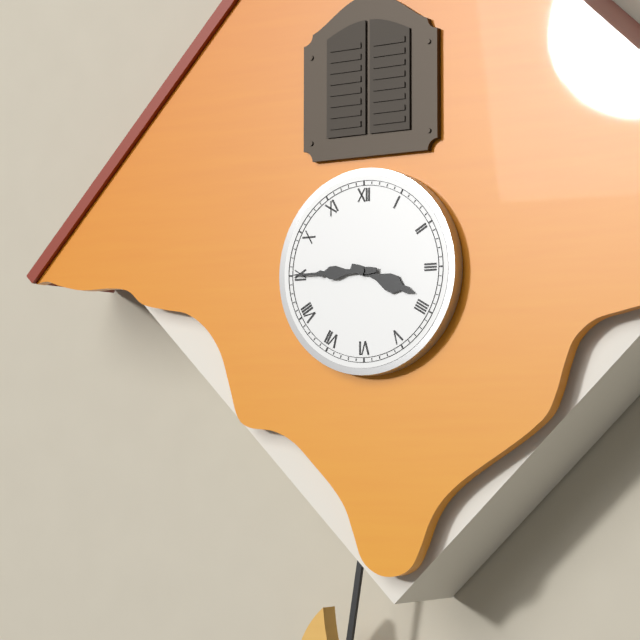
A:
3,45
